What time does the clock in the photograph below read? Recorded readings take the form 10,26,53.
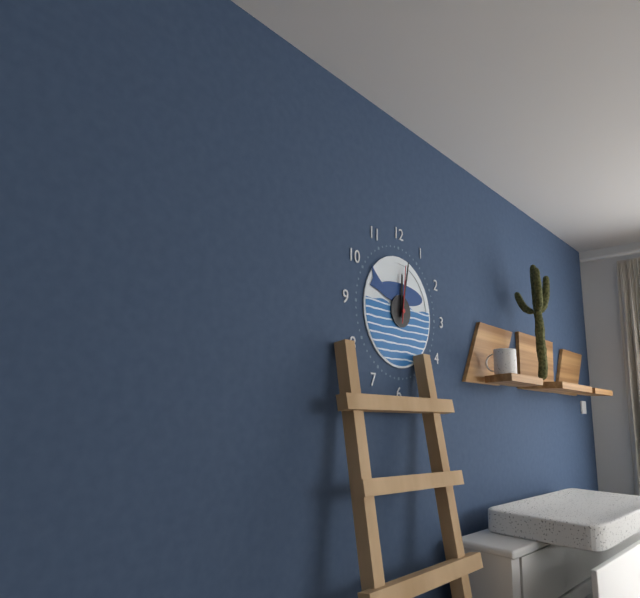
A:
12,02,01
